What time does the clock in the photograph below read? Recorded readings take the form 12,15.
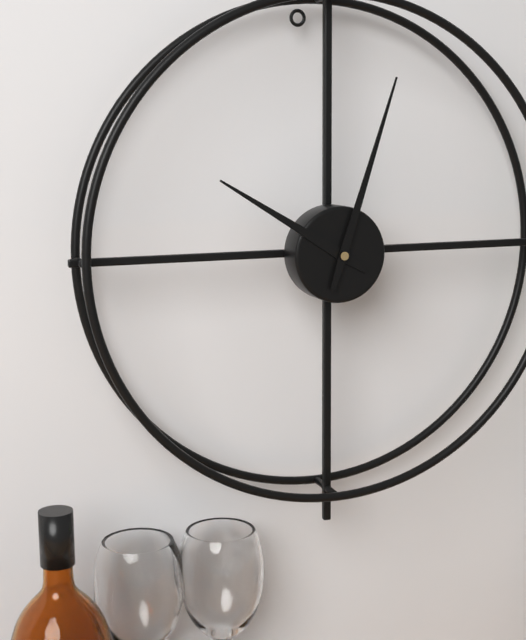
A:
10,03
